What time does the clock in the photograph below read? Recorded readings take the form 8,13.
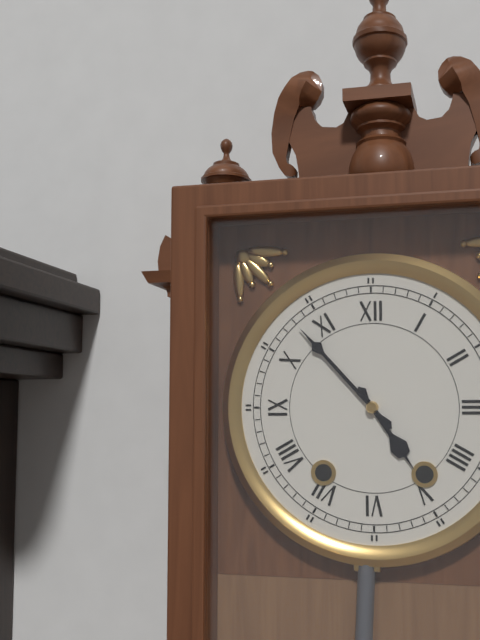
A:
4,53
